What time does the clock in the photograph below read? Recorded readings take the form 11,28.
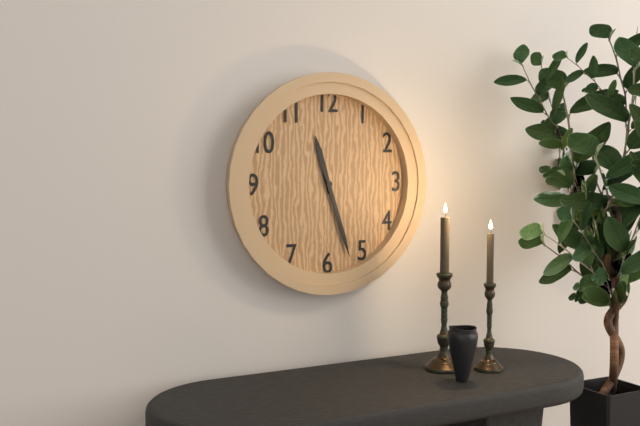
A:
11,27
